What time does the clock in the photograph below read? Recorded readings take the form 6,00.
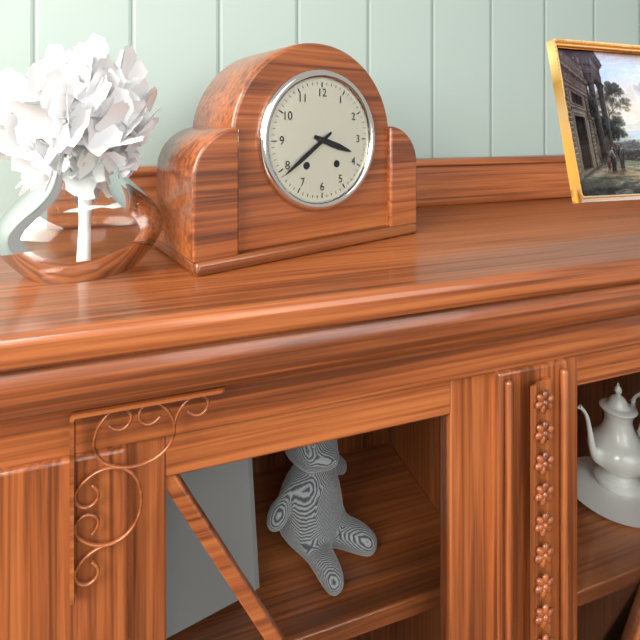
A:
3,39
